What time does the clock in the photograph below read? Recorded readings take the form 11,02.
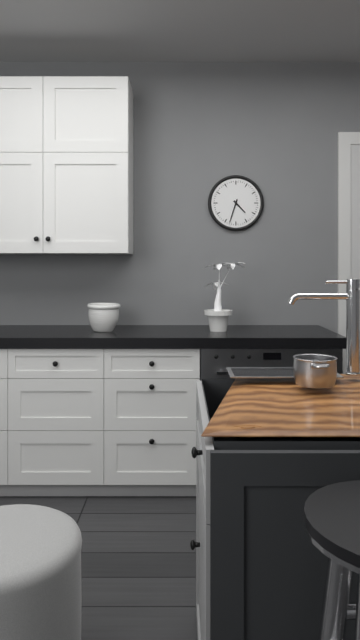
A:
4,33
